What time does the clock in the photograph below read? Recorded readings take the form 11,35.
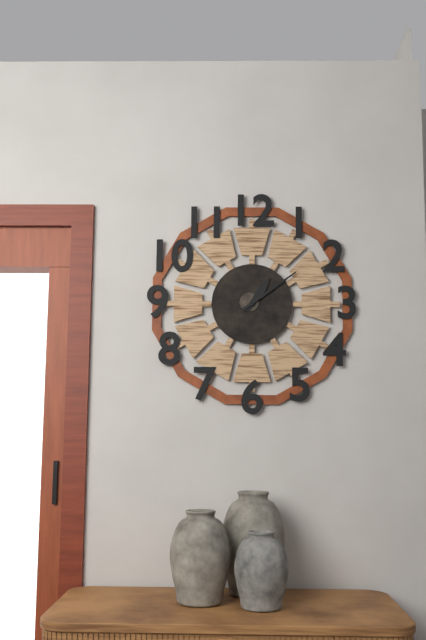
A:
1,09
